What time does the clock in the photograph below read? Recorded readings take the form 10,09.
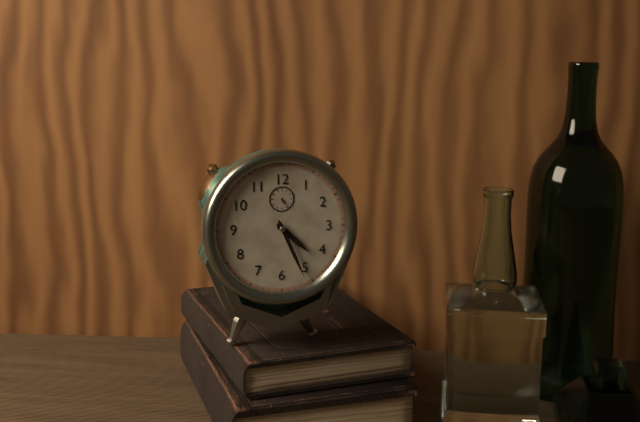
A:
4,26
